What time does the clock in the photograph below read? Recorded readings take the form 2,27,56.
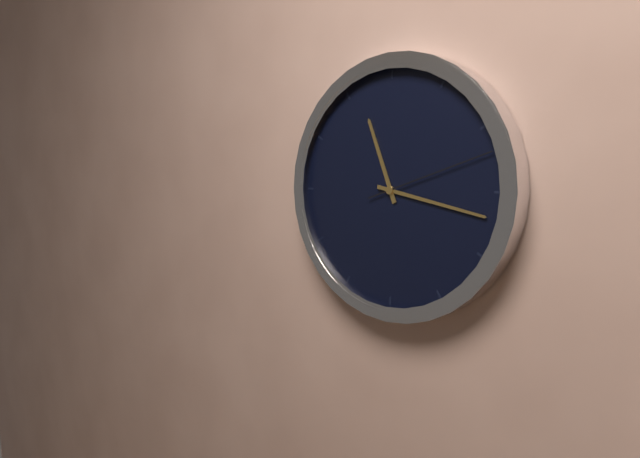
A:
11,17,12
